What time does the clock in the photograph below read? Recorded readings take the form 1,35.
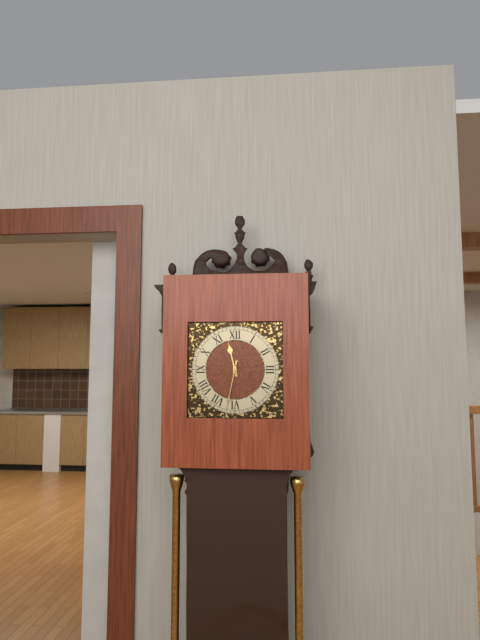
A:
11,32
